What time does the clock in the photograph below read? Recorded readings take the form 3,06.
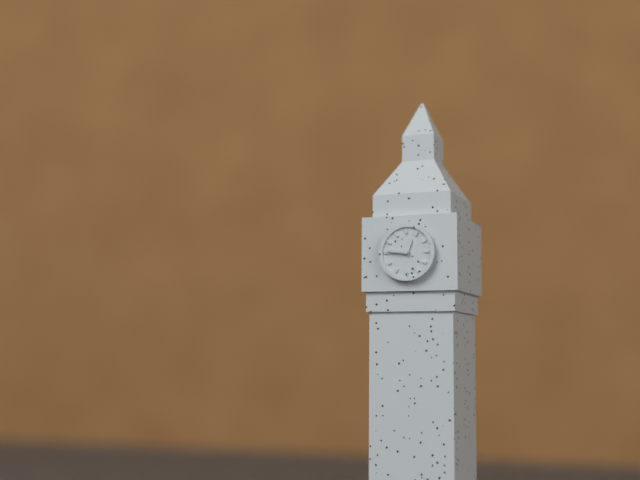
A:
12,46
